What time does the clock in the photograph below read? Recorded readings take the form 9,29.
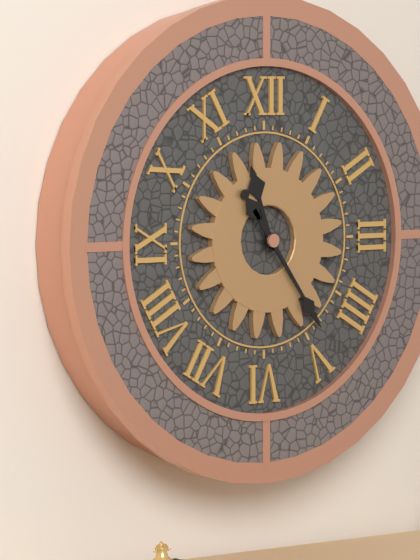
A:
11,24
